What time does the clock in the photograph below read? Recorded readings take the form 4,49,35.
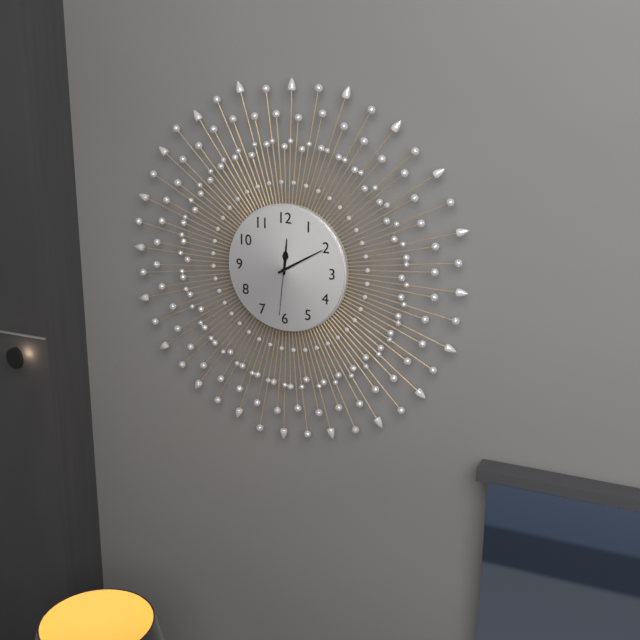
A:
12,10,31
